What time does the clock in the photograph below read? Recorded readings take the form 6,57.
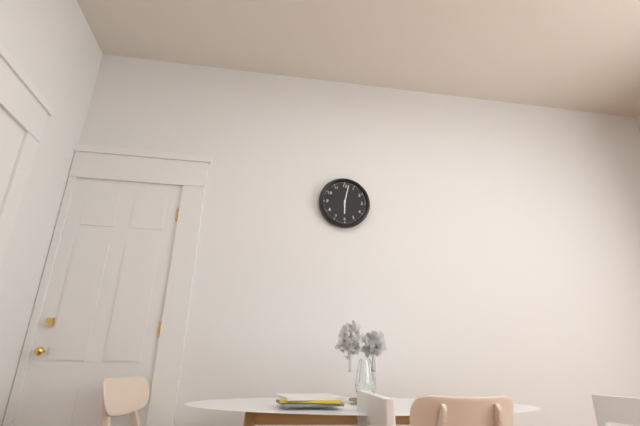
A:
6,02
